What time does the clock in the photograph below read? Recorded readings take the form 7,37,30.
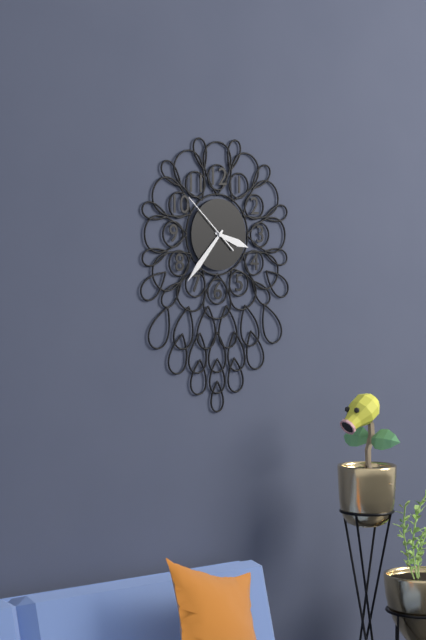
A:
3,37,52
